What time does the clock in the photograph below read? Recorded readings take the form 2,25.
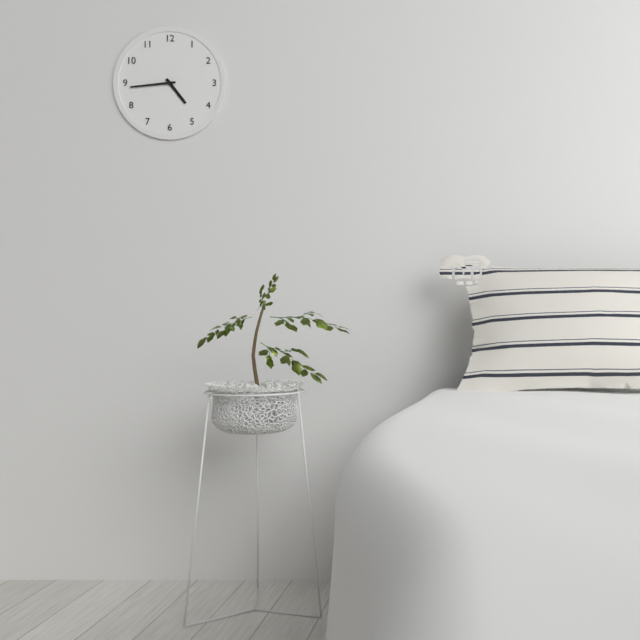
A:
4,44
